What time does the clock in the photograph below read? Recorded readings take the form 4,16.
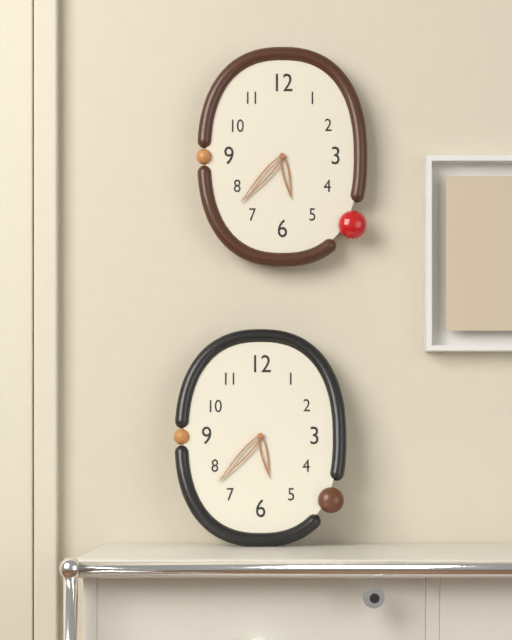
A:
5,37
